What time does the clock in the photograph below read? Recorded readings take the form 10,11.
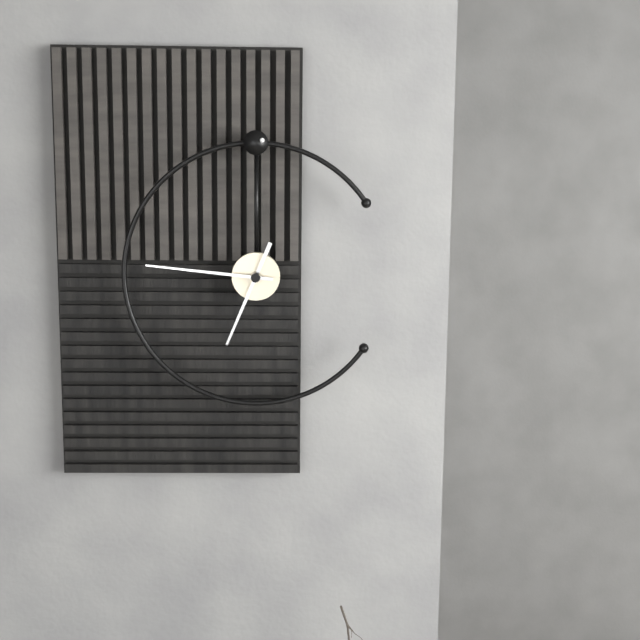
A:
6,46
